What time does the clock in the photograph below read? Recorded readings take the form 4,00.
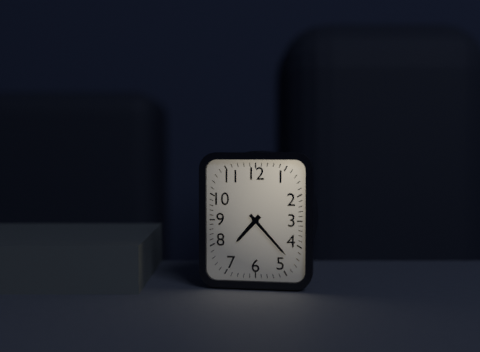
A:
7,23
